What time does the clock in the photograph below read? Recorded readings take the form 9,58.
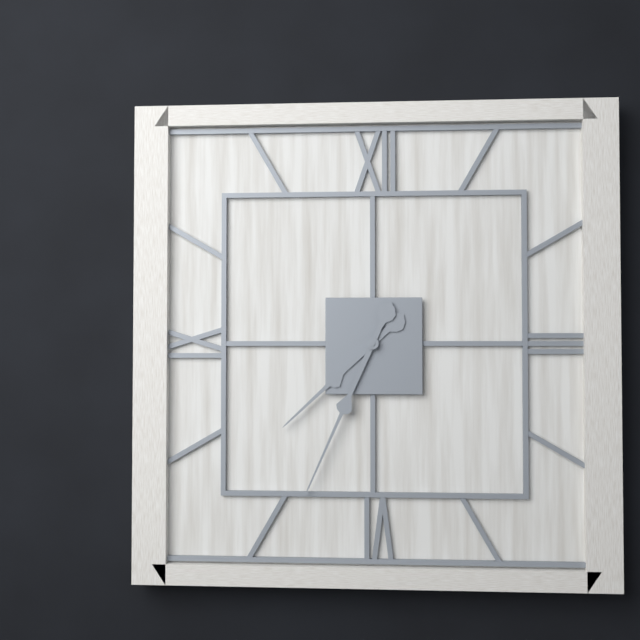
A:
7,34
